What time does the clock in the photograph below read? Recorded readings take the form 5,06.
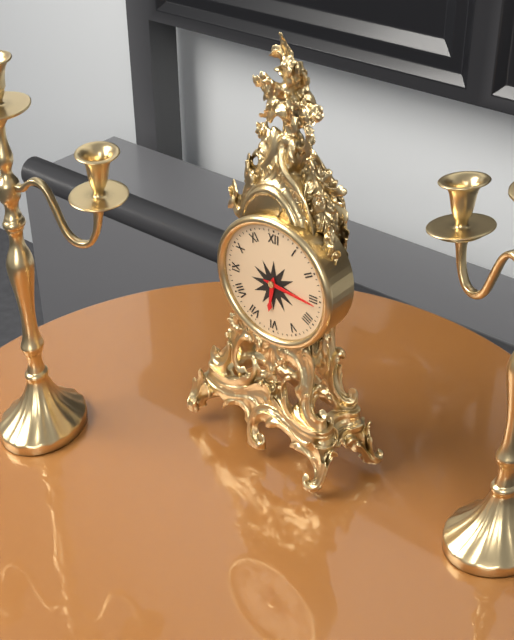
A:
6,16
